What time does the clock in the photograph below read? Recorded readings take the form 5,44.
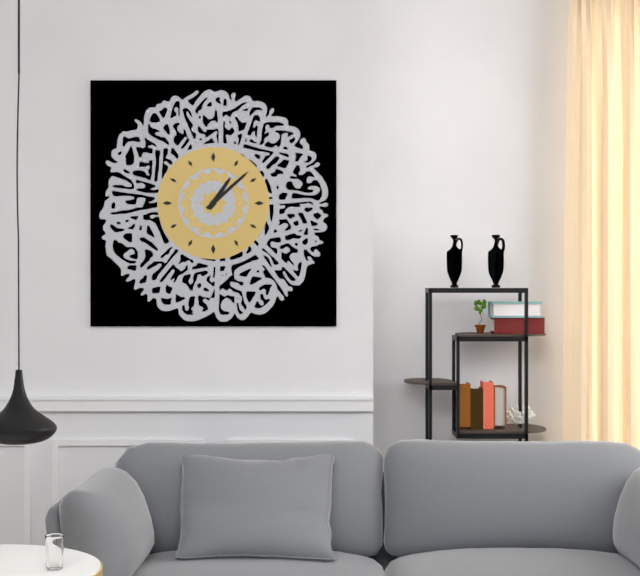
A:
1,08
